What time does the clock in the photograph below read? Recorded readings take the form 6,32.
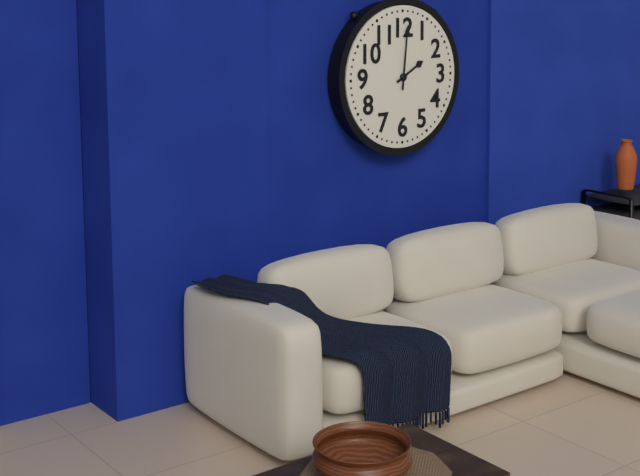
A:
2,01
